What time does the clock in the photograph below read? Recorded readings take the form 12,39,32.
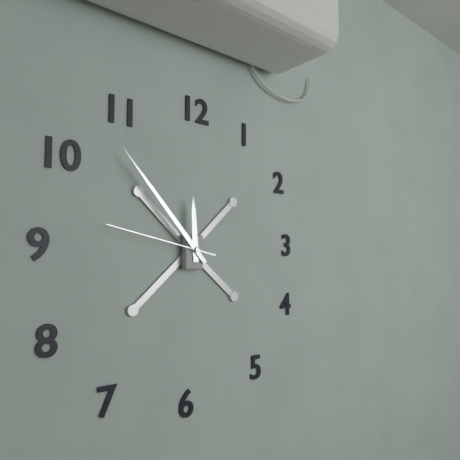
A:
11,53,47
